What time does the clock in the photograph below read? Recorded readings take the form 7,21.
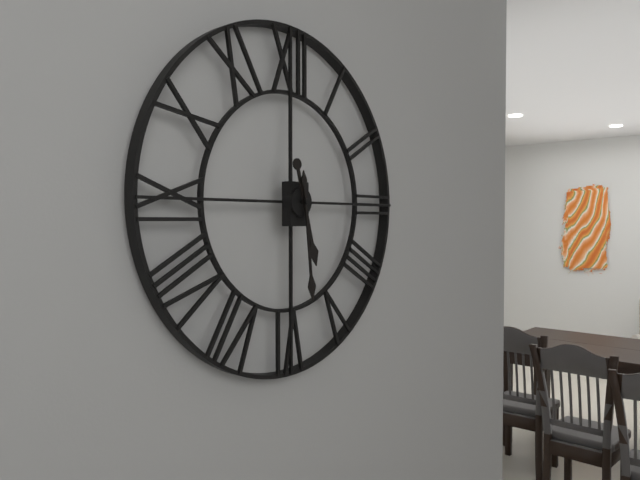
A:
5,29
